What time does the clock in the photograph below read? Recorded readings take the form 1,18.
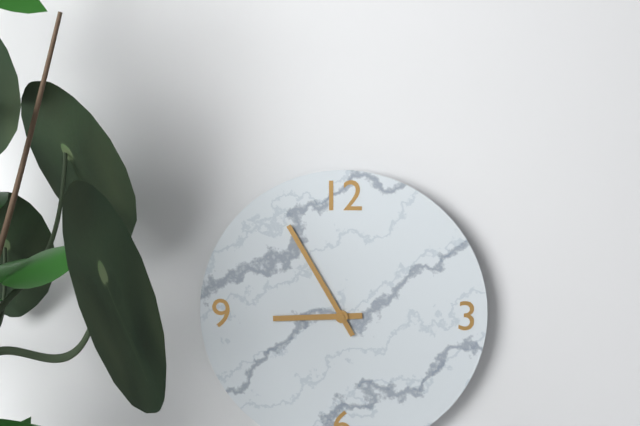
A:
8,55
